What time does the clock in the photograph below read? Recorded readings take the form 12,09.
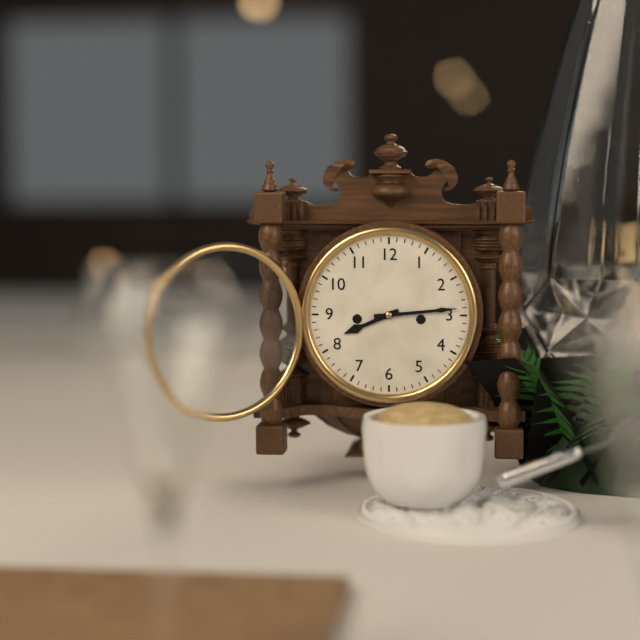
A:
8,14
